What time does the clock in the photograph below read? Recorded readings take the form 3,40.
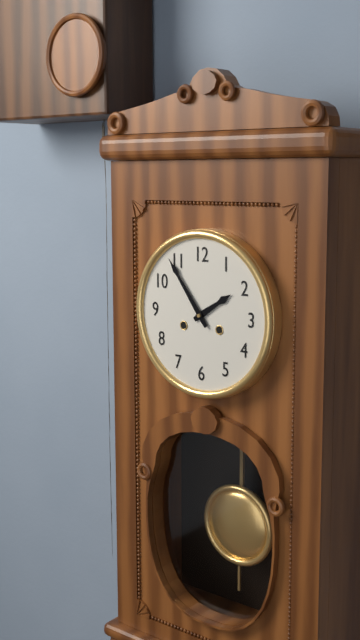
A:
1,54
